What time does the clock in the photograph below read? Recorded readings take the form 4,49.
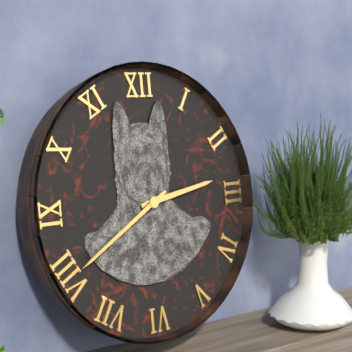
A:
2,40
